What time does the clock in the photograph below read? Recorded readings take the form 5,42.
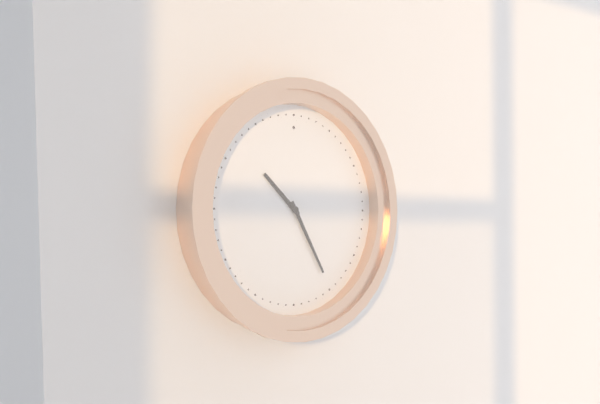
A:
10,25
